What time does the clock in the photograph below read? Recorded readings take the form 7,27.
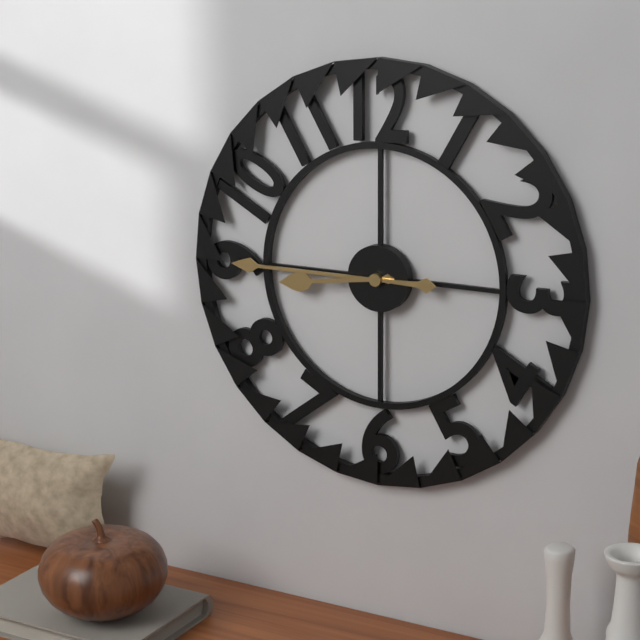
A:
8,45
